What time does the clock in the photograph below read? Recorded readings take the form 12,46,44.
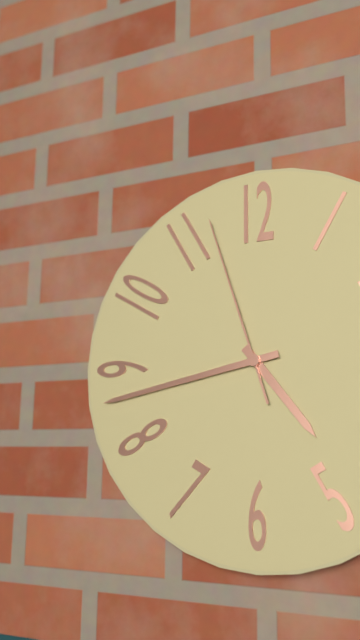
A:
4,43,57
